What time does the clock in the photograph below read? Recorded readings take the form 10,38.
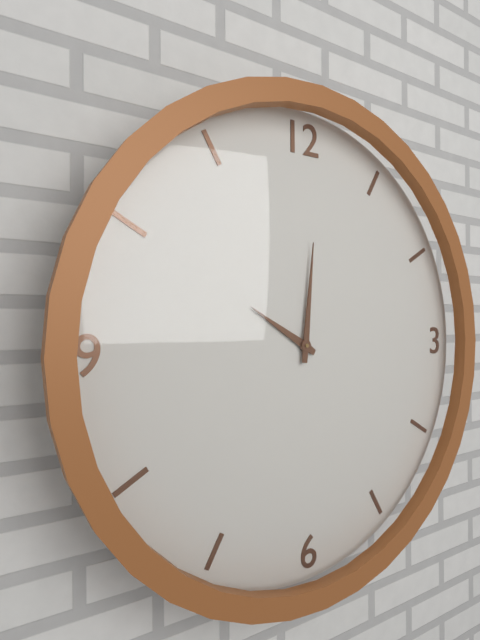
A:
10,01
